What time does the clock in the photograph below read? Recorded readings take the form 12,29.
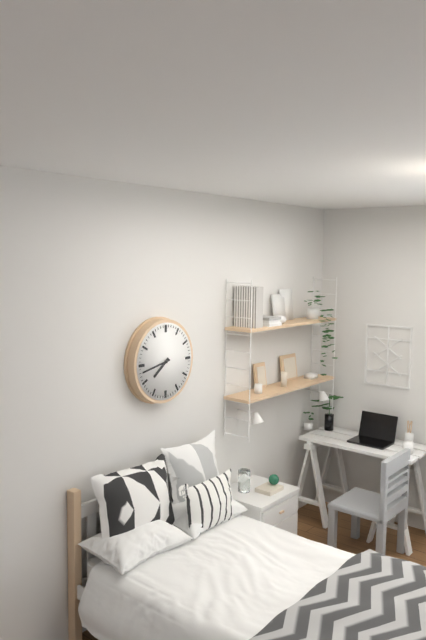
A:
7,43
